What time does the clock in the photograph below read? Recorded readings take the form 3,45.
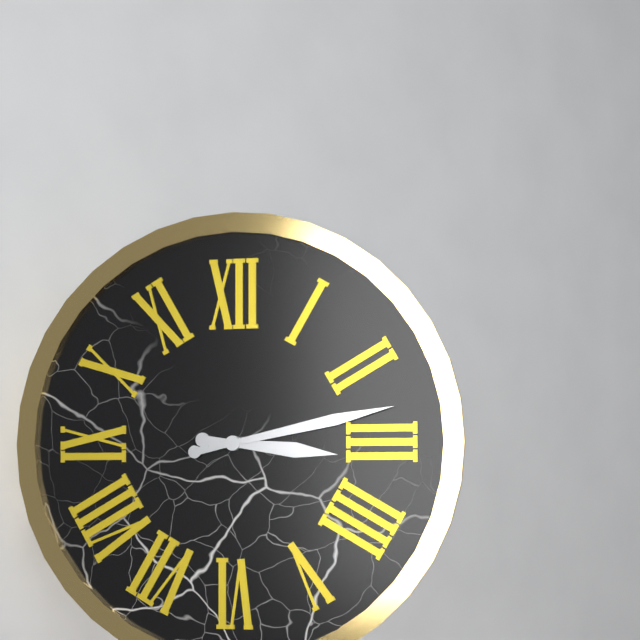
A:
3,13
